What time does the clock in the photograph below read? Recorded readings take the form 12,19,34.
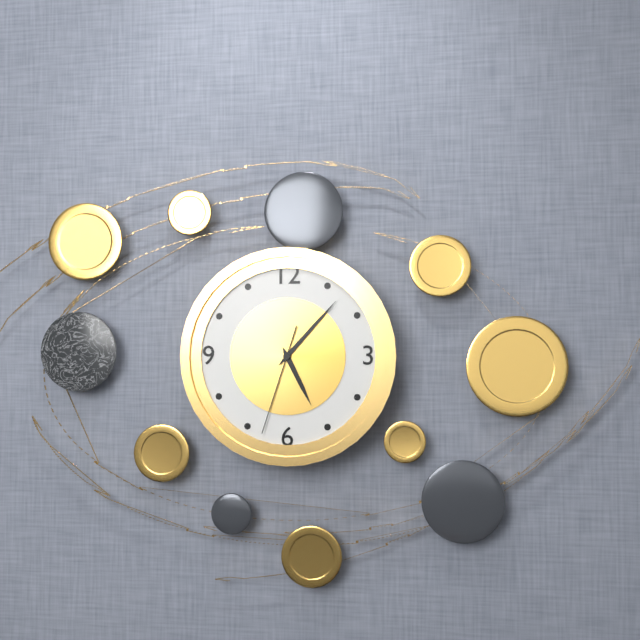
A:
5,07,33
